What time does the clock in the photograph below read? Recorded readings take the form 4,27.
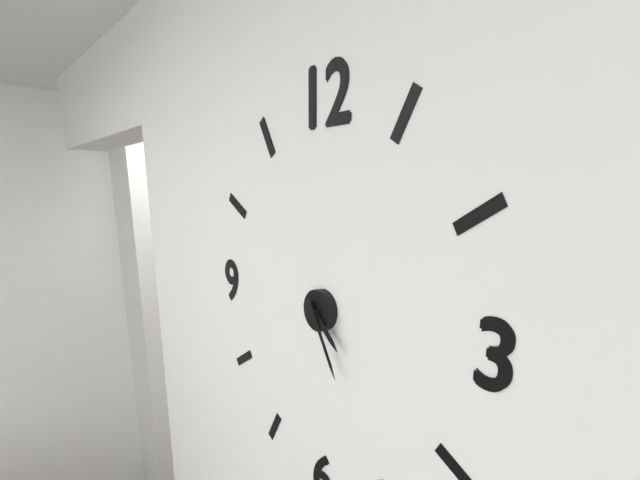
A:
4,25
